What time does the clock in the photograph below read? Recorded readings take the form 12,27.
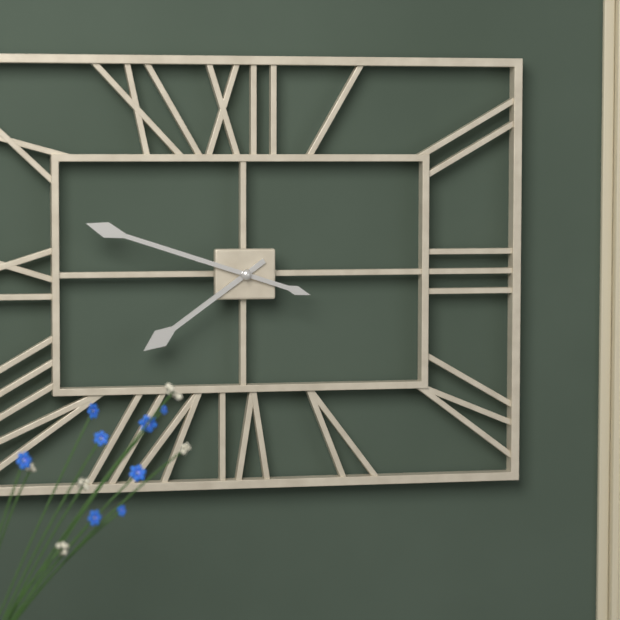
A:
7,48
